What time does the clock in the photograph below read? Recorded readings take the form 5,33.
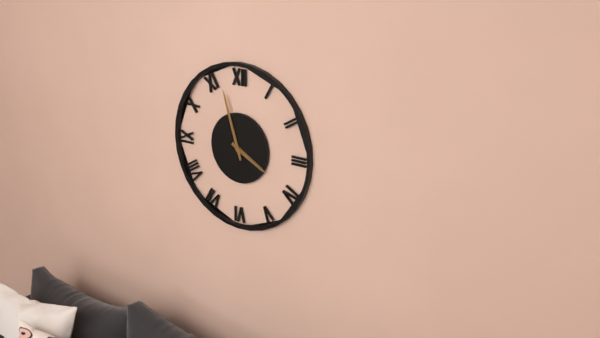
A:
3,57
